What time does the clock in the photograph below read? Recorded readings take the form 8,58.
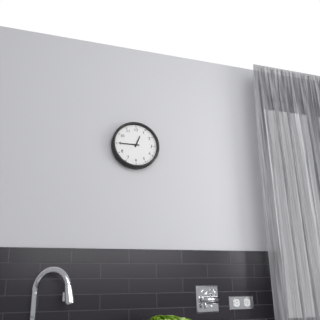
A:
12,45
